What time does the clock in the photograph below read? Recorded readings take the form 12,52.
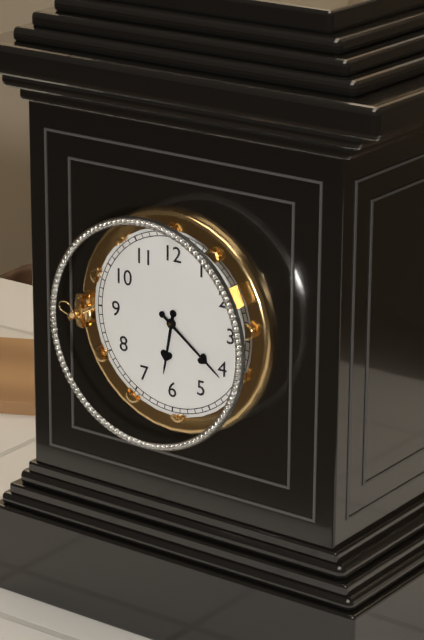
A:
6,21
